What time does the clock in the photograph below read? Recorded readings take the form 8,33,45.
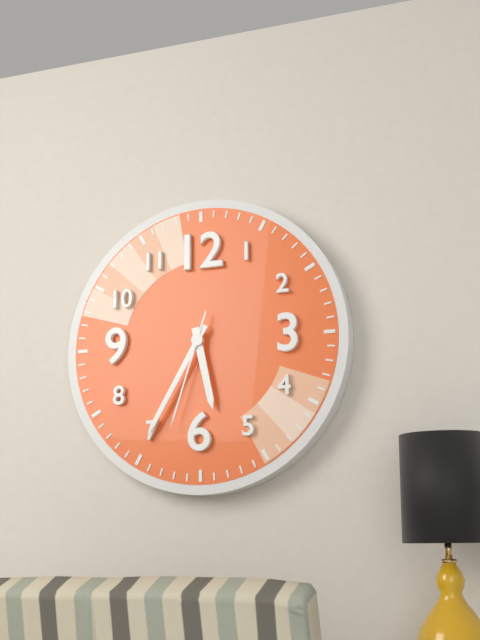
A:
5,35,33
